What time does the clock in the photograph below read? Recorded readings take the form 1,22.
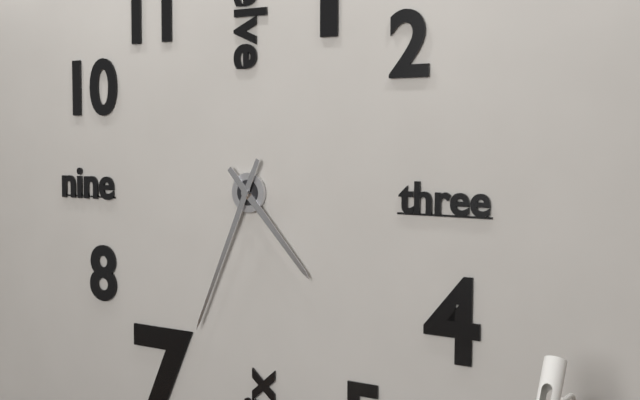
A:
4,34
